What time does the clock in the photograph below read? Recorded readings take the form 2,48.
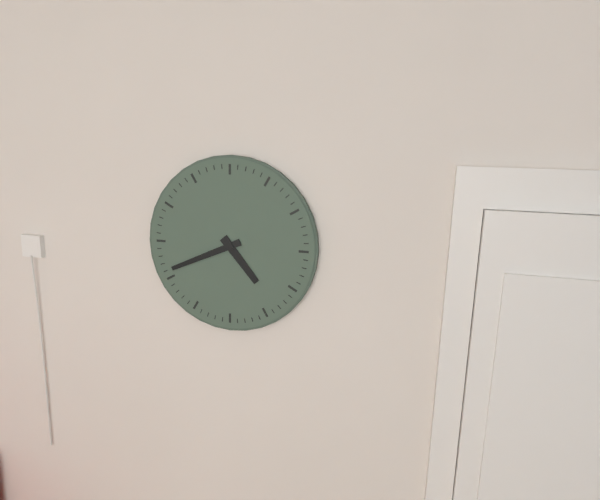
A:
4,41
